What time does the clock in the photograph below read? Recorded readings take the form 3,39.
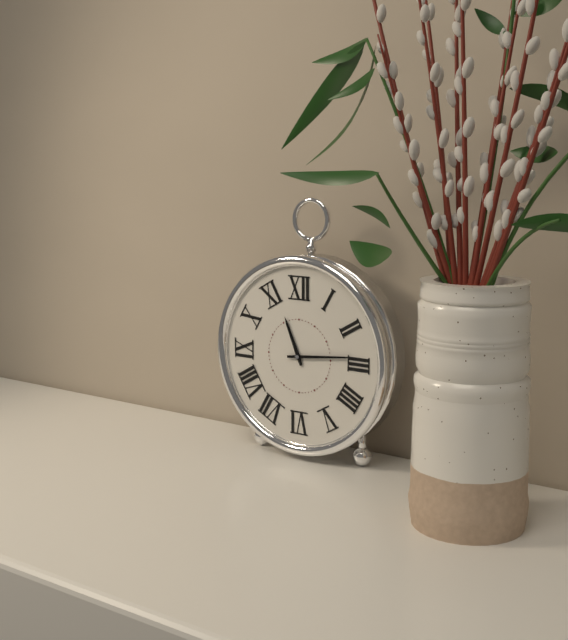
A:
11,14
